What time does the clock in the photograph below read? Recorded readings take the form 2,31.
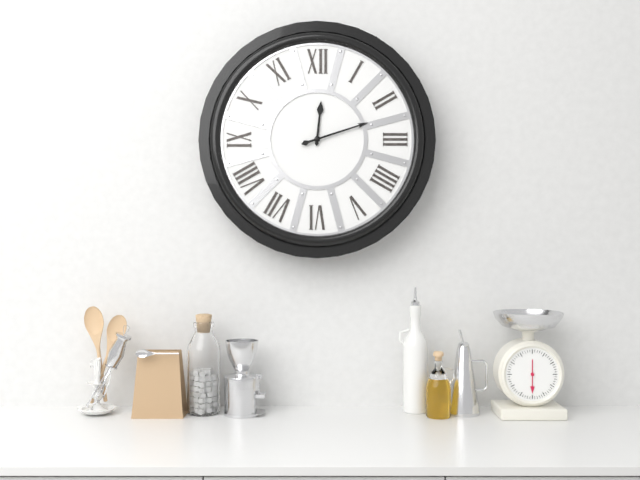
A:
12,12
